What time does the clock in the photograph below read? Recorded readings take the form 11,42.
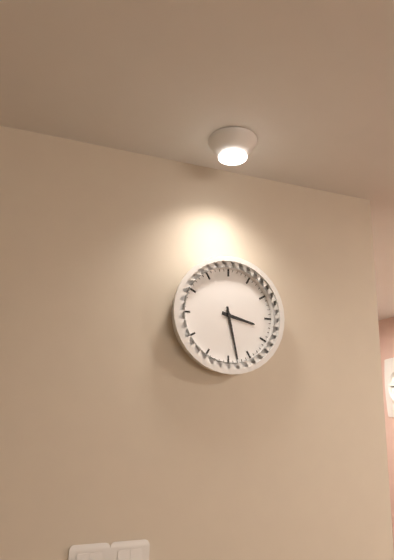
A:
3,28
